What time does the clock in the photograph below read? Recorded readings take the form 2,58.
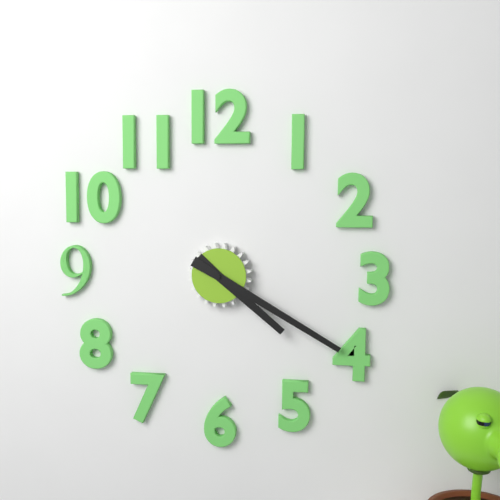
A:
4,20
